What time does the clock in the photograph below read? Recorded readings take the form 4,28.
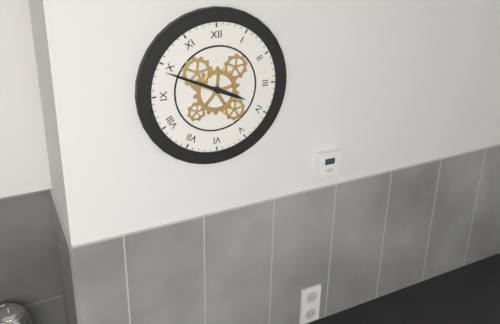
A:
3,49
